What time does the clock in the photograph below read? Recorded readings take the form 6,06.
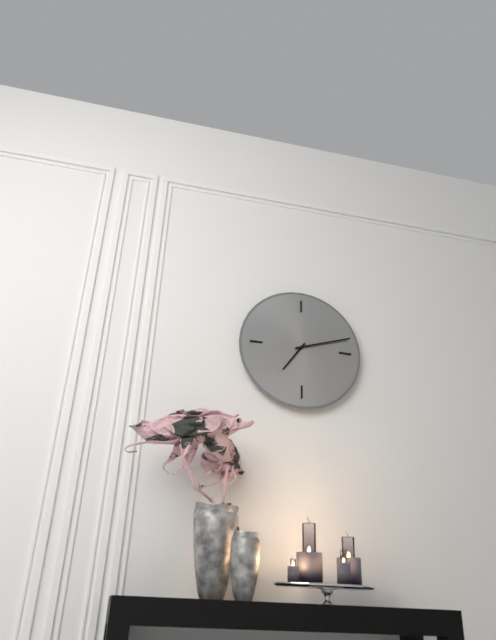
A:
7,12
